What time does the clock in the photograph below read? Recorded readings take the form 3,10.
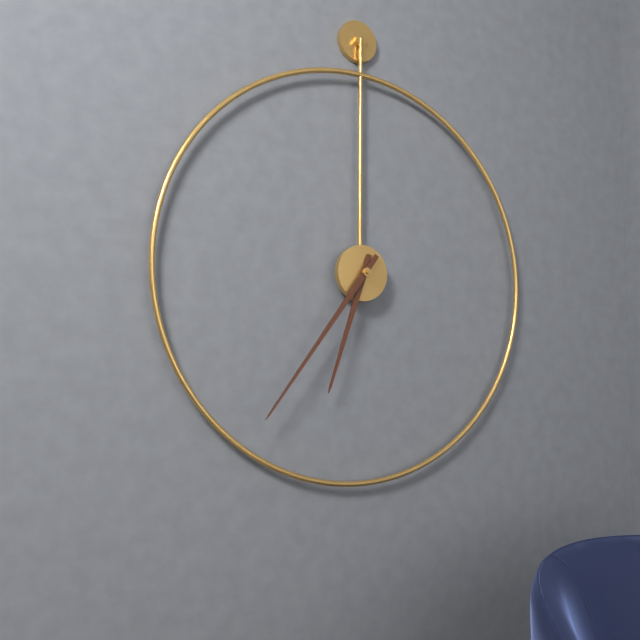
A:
6,36
